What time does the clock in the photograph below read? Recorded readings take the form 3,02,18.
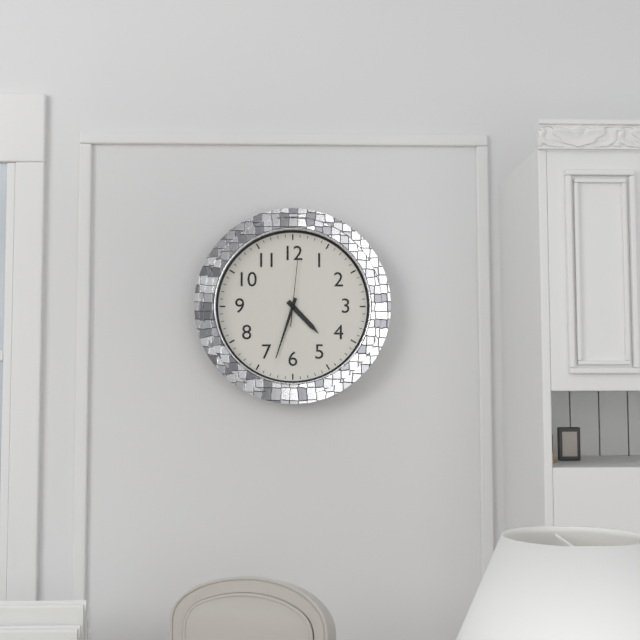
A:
4,33,01
